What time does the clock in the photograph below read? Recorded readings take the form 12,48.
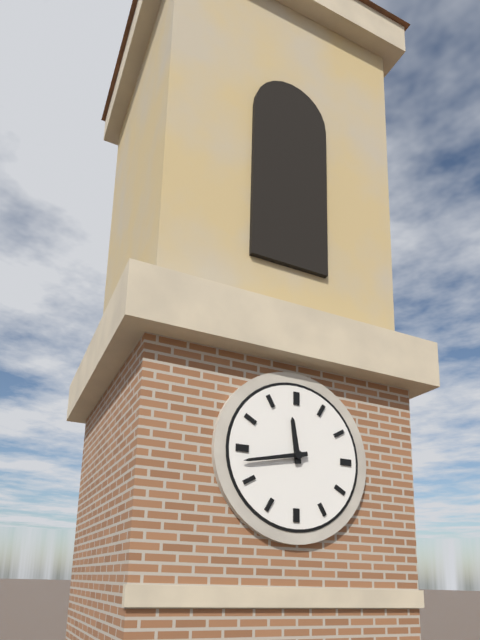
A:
11,43
